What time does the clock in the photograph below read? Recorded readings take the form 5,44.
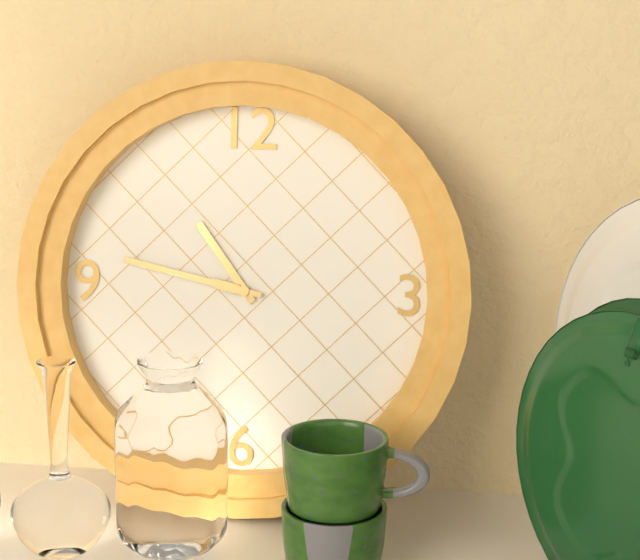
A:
10,47
